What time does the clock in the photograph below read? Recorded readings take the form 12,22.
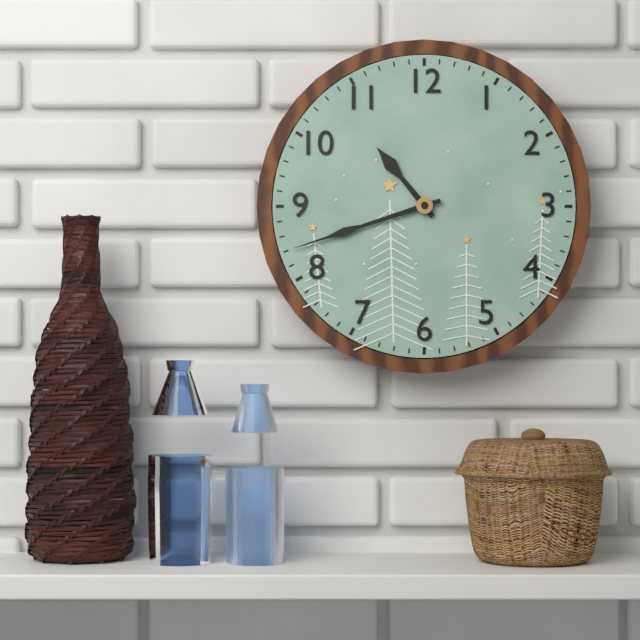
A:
10,42
